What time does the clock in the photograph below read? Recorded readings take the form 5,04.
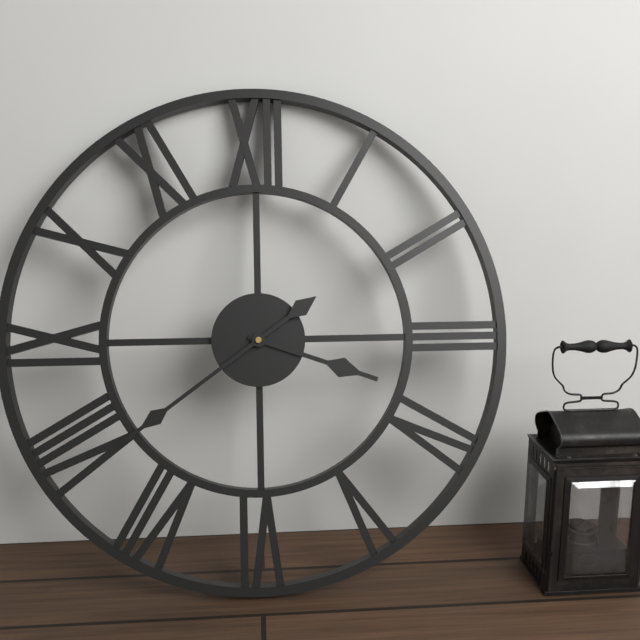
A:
3,39
